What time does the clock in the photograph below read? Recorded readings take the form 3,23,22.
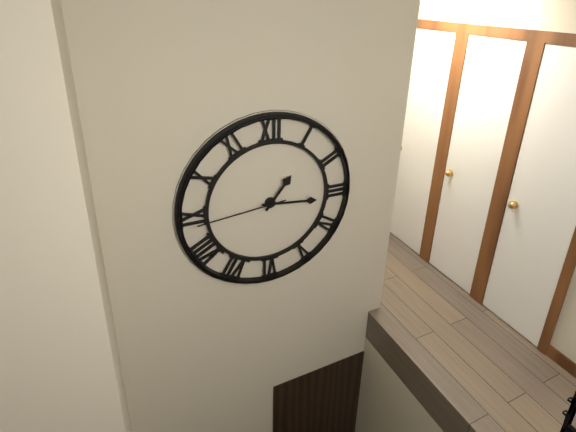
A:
1,16,44
